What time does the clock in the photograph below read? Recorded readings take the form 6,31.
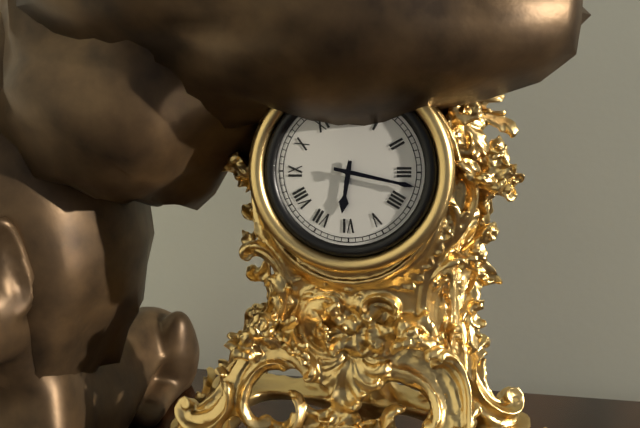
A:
6,17
